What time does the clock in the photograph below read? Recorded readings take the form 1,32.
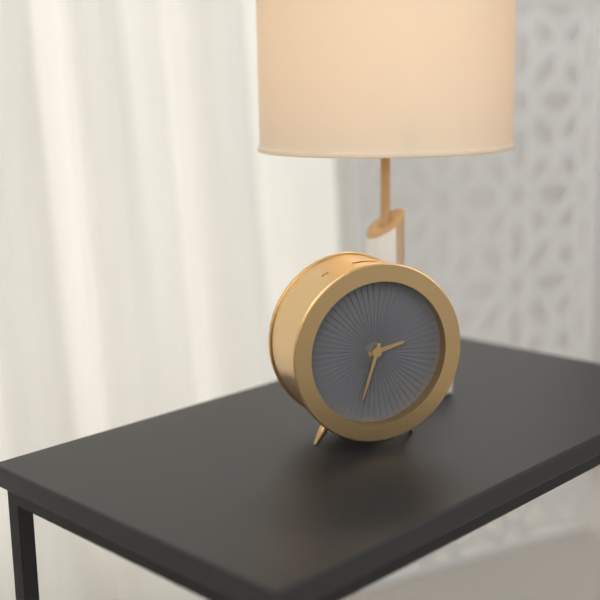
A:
2,33
